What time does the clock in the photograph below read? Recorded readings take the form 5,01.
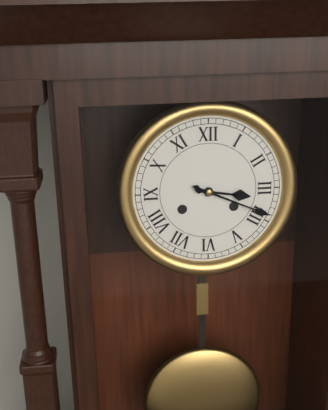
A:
3,19
